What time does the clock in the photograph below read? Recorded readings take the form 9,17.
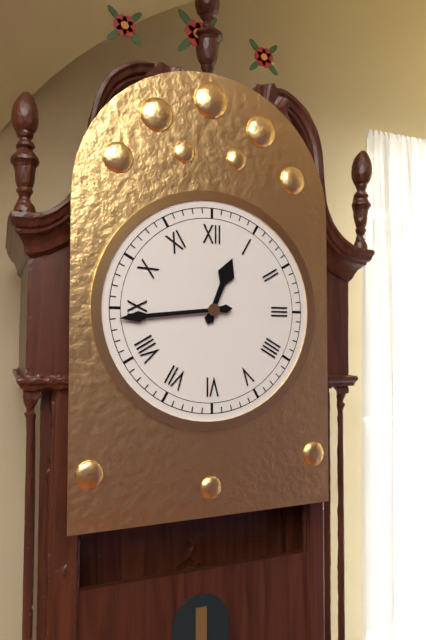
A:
12,44
